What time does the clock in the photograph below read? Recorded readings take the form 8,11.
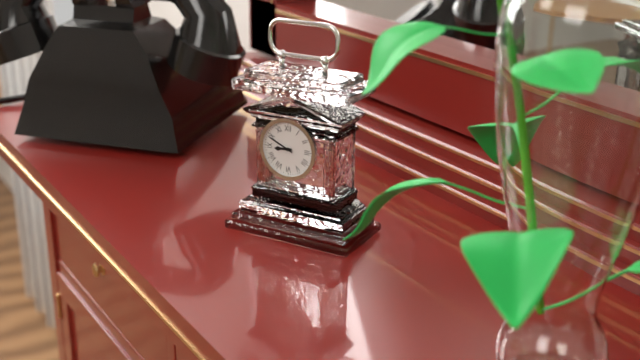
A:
8,49
